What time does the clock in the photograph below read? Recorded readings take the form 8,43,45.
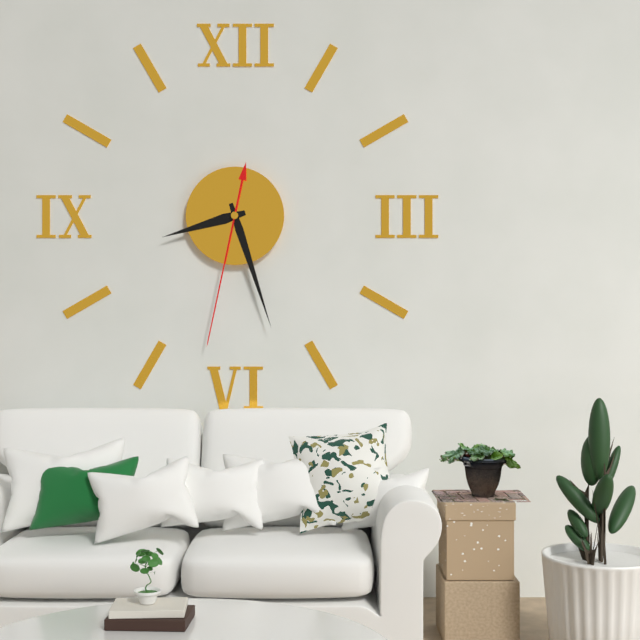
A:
8,27,32
